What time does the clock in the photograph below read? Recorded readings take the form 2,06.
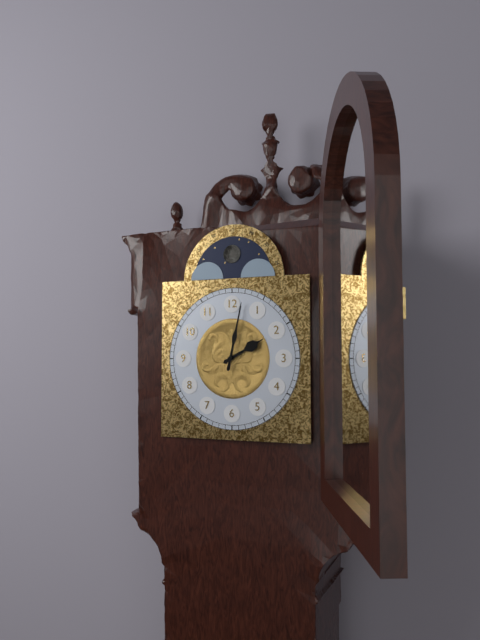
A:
2,02
